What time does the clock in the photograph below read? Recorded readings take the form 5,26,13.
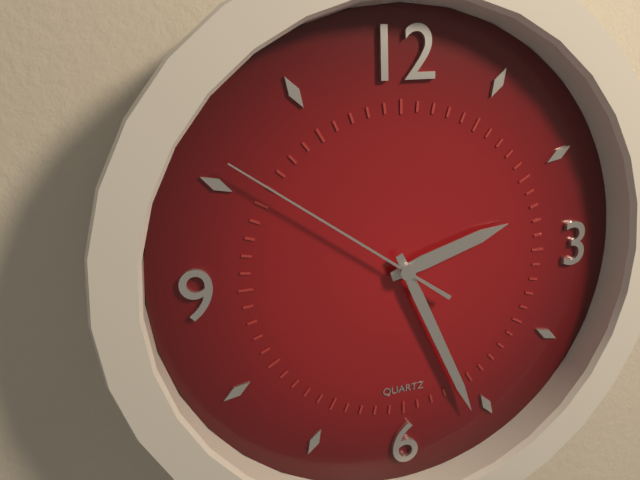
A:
2,26,51
